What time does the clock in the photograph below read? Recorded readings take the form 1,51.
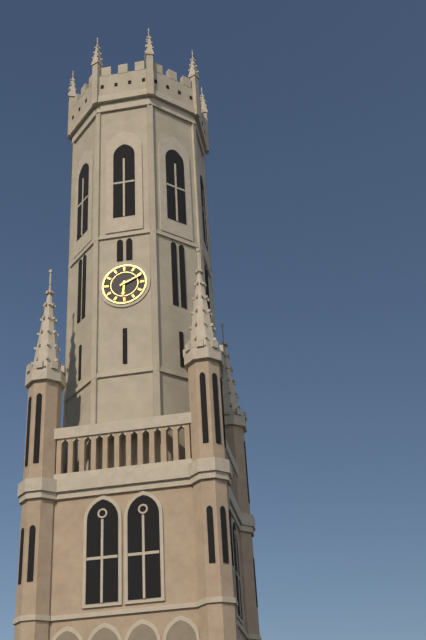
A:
6,11
